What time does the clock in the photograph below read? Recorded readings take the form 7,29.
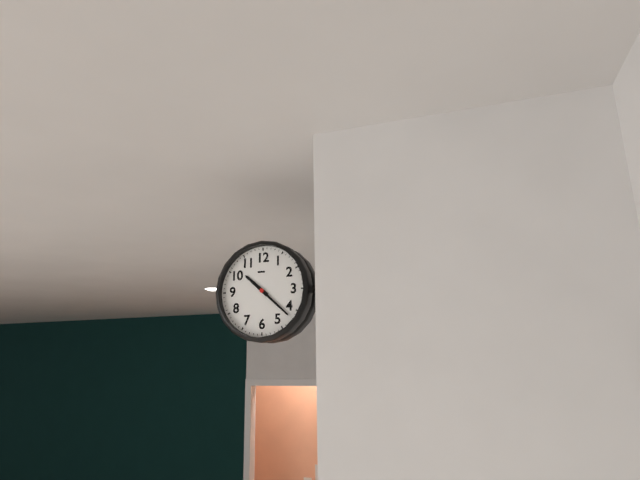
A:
10,22
